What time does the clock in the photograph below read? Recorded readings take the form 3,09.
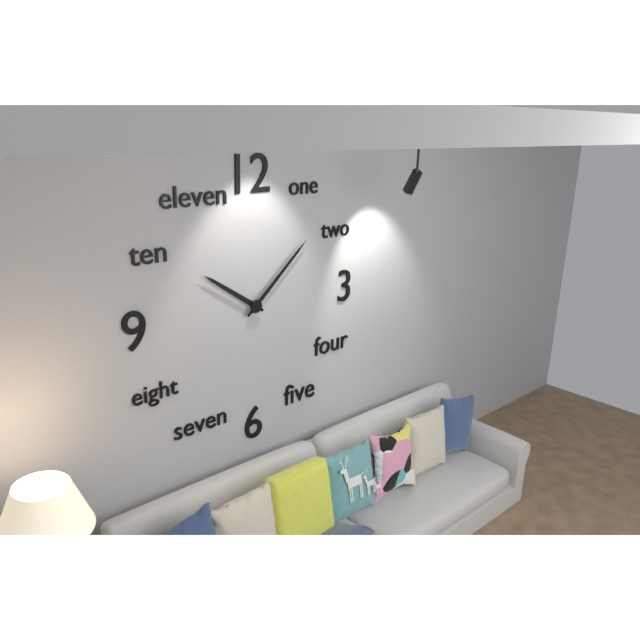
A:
10,08
